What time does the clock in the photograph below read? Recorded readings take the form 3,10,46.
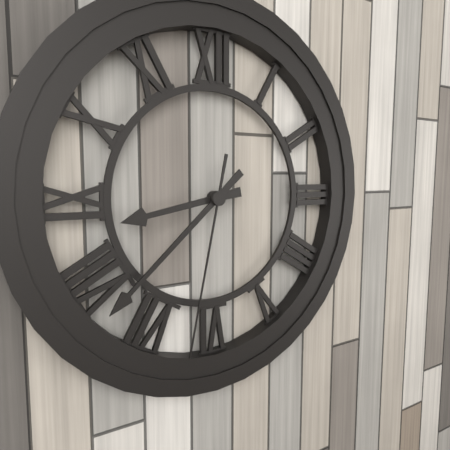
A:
8,38,32
